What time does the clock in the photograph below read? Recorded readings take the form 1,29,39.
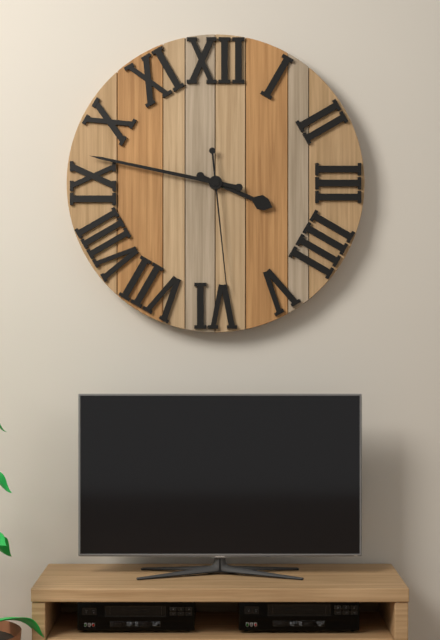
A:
3,47,29
